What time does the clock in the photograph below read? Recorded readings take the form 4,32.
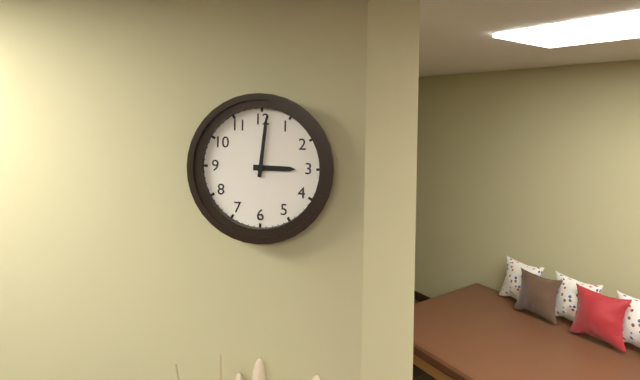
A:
3,01
